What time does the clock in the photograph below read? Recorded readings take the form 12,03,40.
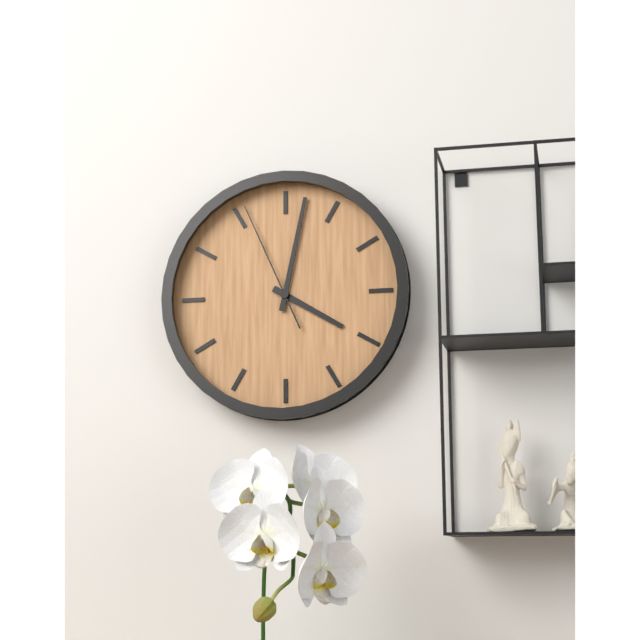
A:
4,02,56
